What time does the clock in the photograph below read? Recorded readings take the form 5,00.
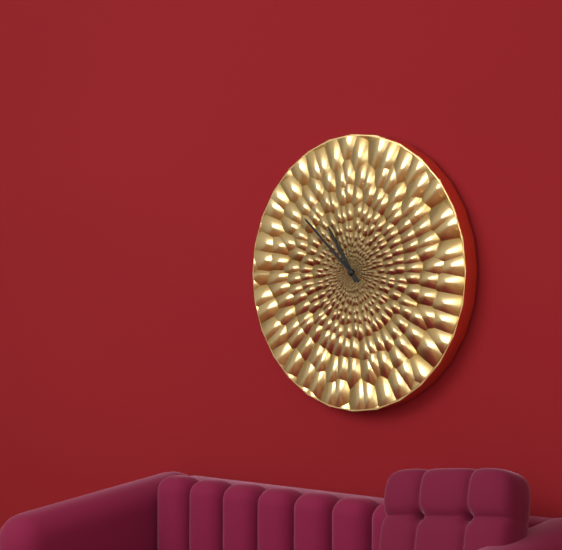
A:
10,52
